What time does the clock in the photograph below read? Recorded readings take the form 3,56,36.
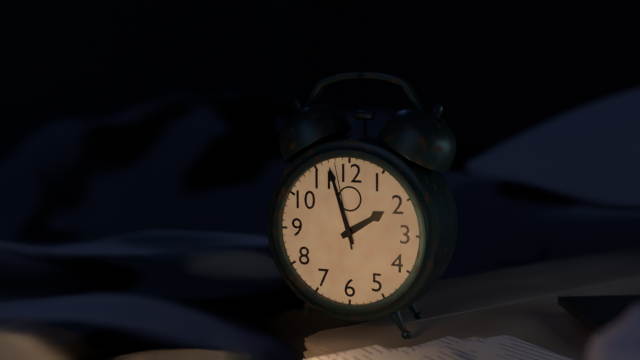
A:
1,57,58
